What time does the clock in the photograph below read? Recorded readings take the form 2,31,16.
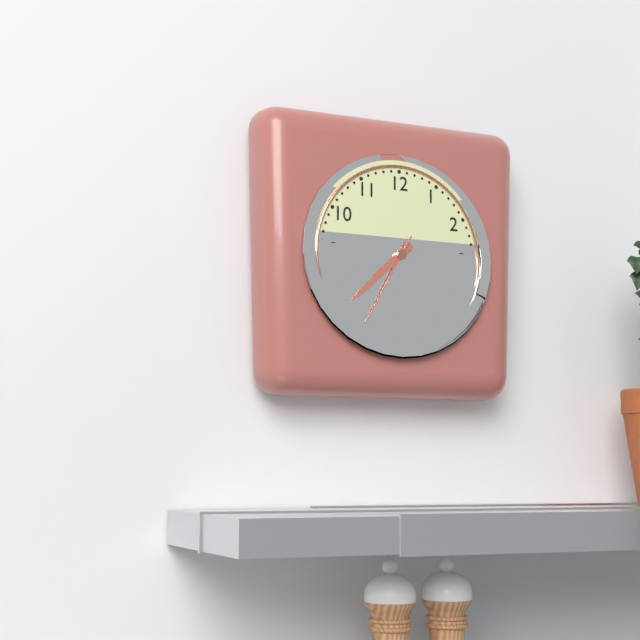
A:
7,38,35
